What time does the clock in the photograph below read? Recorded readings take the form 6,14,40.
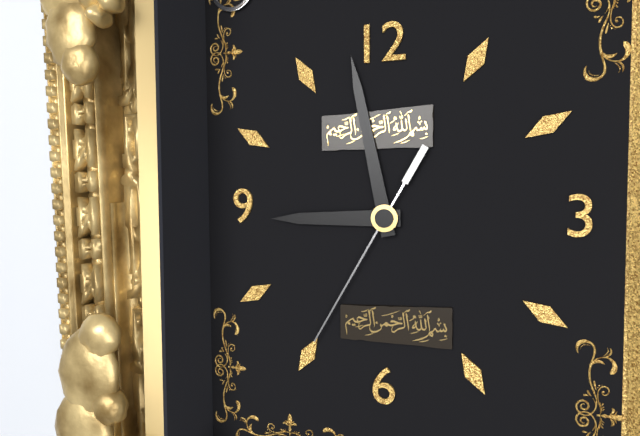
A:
8,58,35
